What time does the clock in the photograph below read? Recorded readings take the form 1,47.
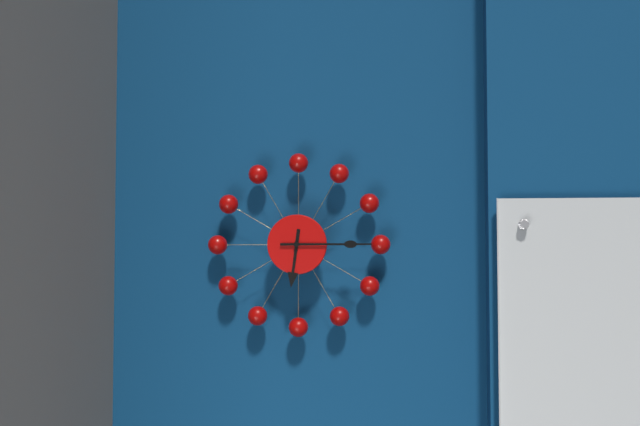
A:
6,15
